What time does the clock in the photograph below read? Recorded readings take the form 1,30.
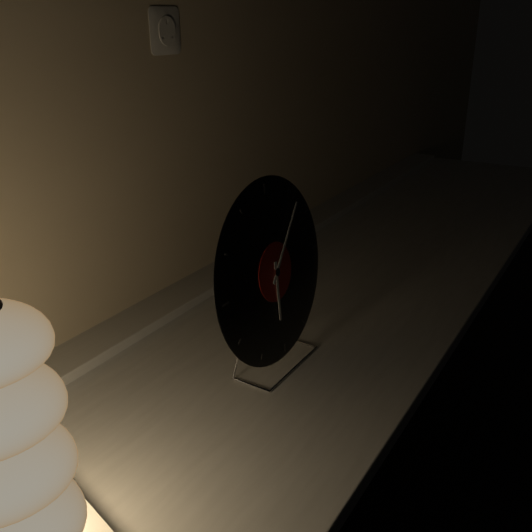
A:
6,07
